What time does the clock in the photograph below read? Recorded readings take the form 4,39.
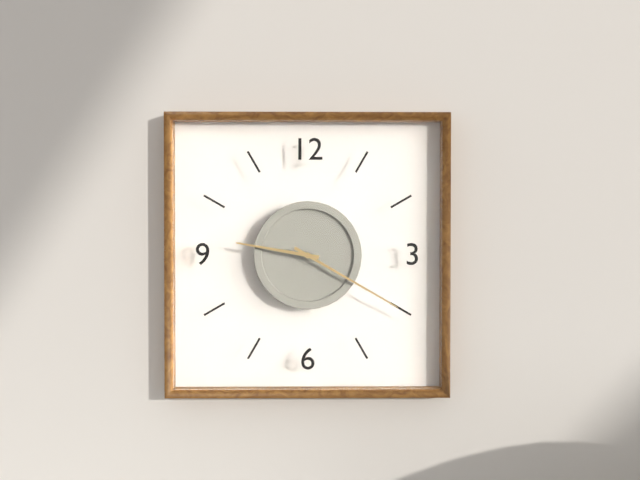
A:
9,20
